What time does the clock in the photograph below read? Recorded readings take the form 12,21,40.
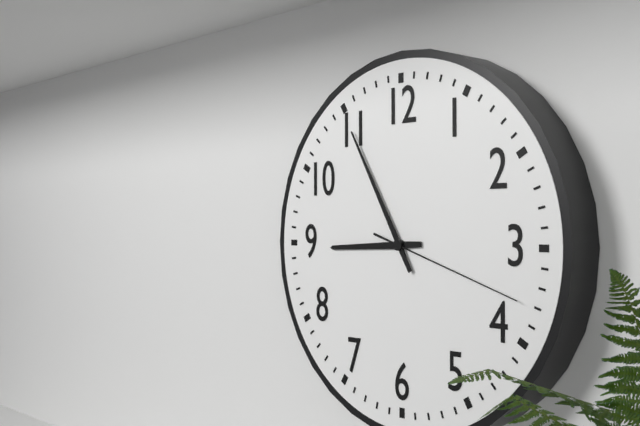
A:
8,55,18
